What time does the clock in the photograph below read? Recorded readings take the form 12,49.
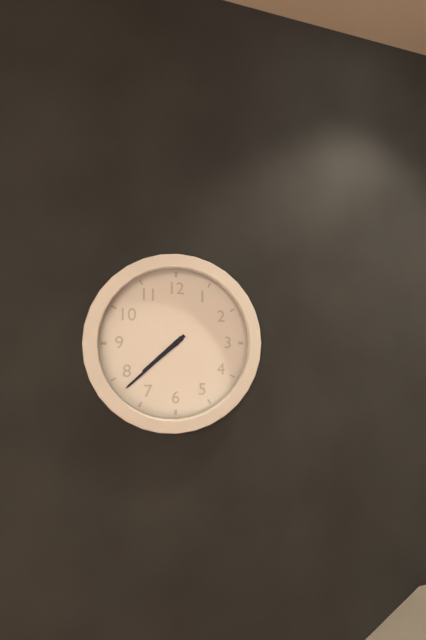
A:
7,38
